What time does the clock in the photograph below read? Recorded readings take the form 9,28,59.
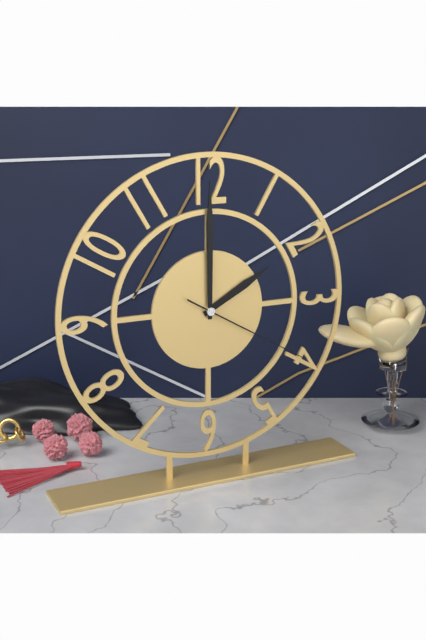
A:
2,00,20
